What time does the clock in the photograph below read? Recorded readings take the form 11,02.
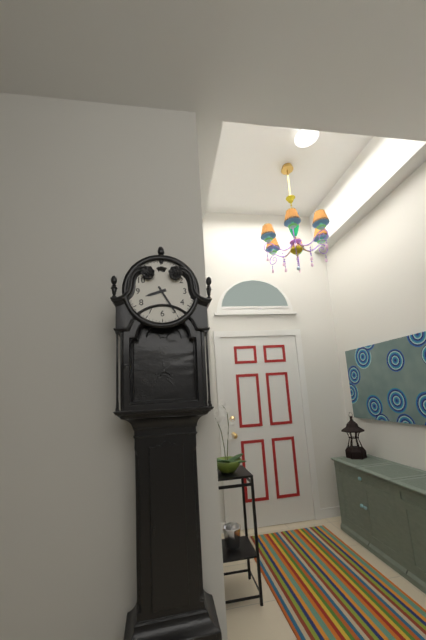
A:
8,25
